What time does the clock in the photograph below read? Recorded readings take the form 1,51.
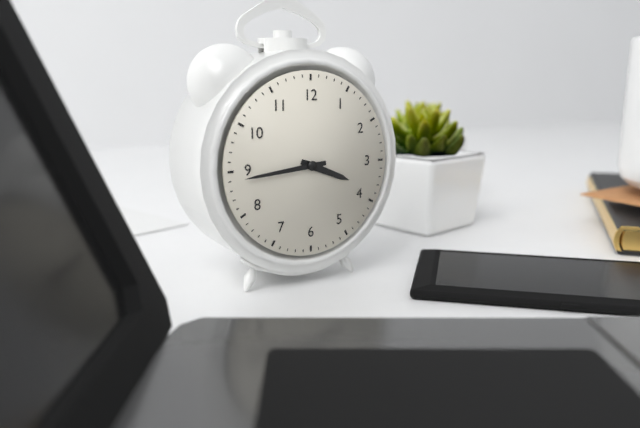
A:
3,44
